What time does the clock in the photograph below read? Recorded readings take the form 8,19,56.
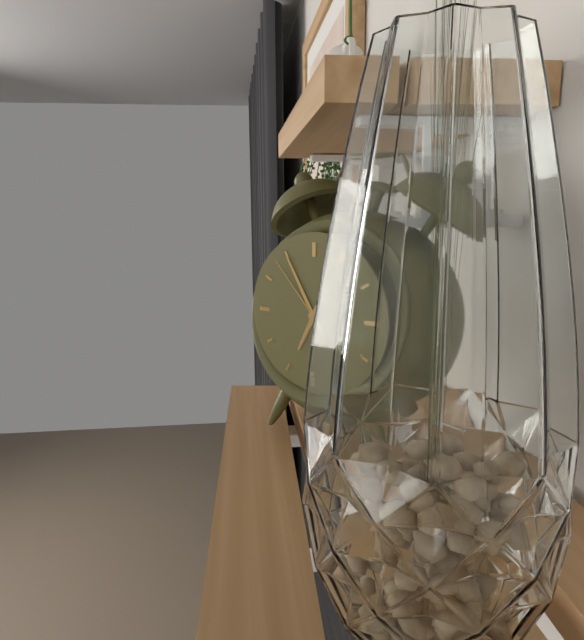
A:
6,55,53
